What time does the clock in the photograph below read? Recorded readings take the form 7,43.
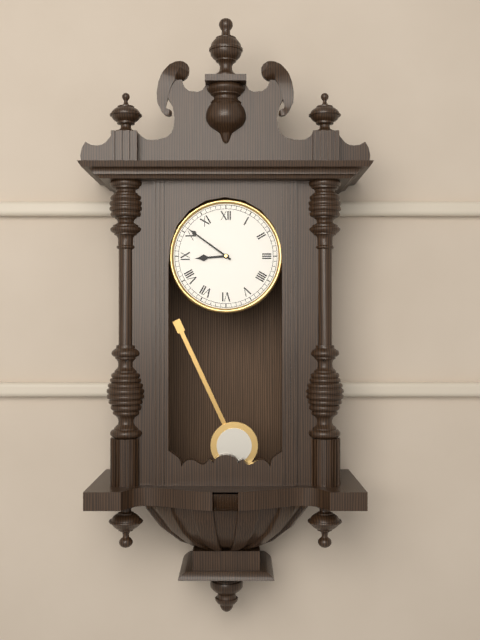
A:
8,51
